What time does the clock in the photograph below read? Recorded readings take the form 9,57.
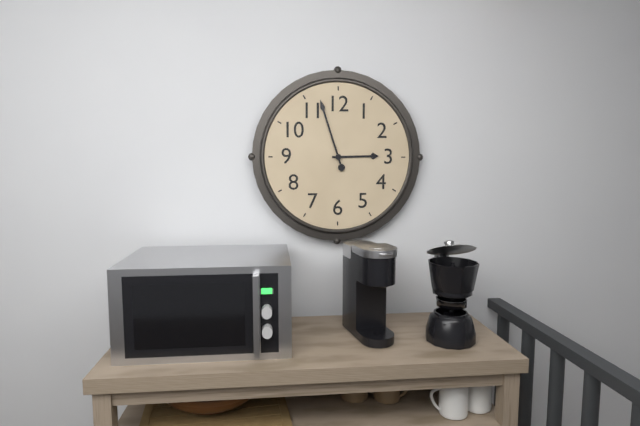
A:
2,57
